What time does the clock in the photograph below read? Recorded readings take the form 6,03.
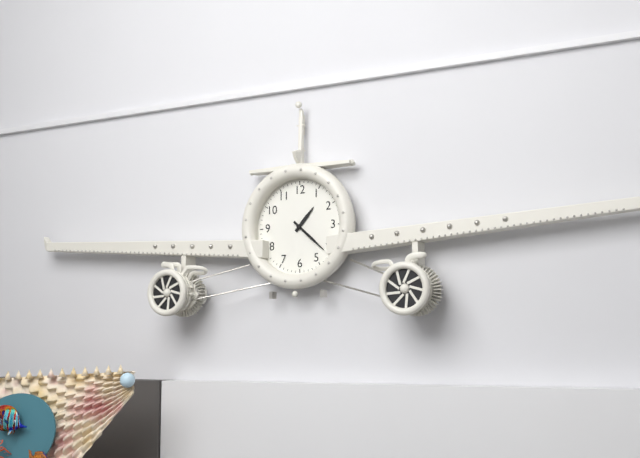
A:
1,22
